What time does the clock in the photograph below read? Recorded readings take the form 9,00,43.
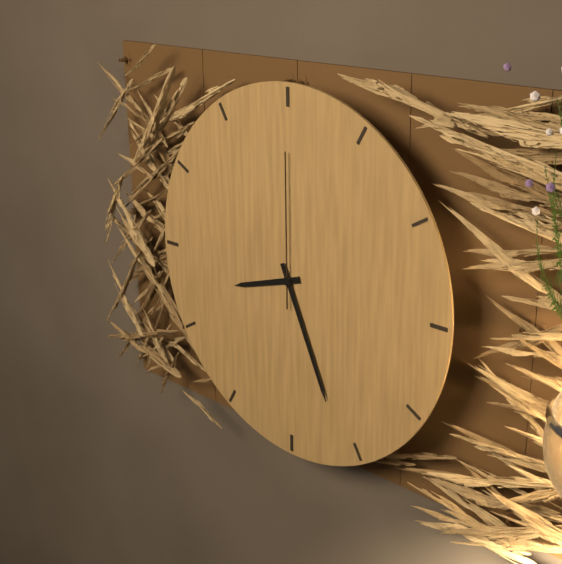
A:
8,26,00
